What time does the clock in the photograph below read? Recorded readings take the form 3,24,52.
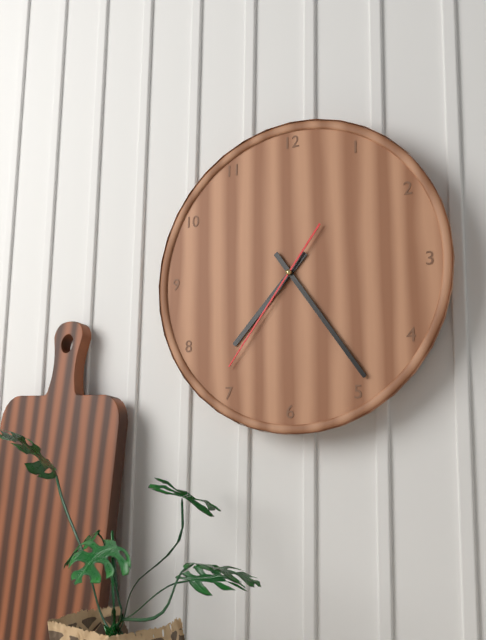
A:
7,24,36
